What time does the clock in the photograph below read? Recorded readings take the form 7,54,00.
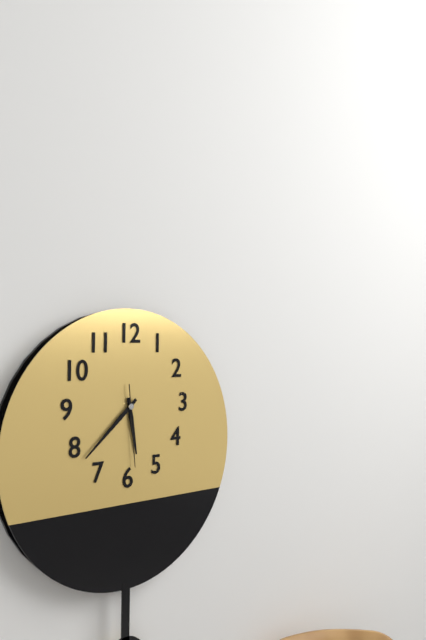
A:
5,38,29
